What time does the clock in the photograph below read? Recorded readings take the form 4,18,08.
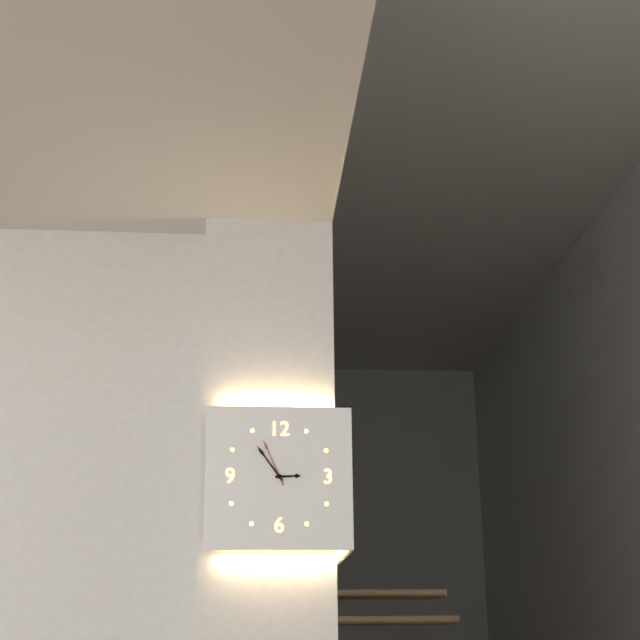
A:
2,54,56
